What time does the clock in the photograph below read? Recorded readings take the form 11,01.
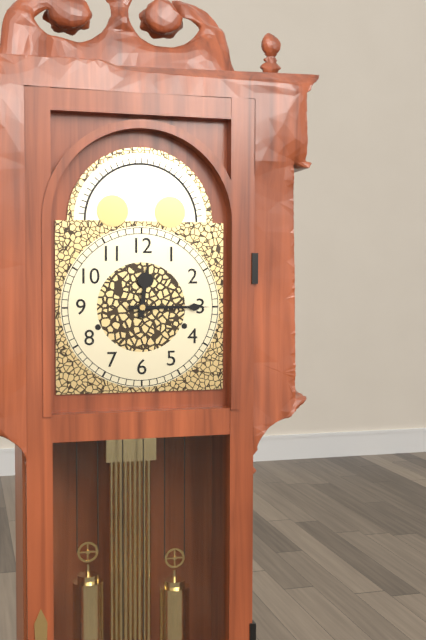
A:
12,15
